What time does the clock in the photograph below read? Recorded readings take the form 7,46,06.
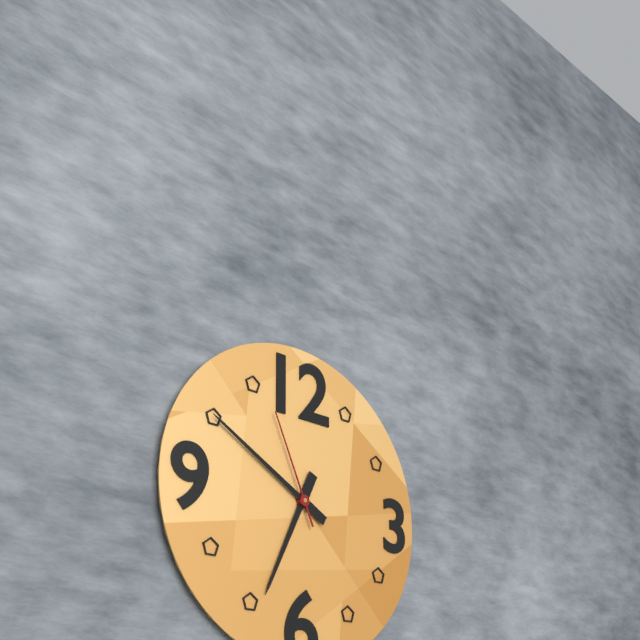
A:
6,50,56
